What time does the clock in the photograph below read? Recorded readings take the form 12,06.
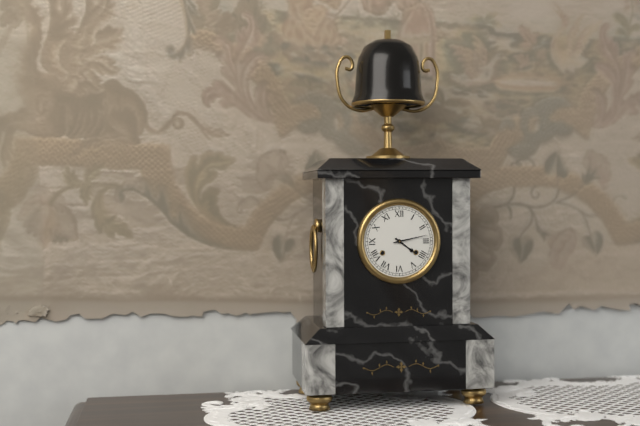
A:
4,13
